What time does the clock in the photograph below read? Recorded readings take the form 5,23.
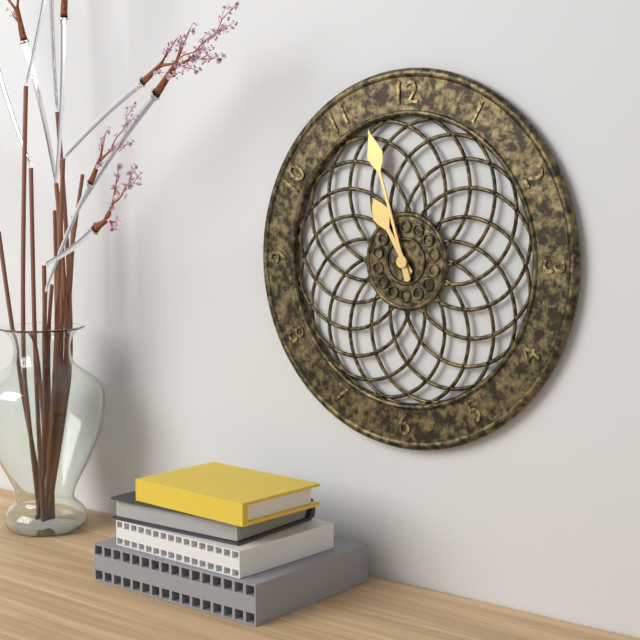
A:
10,57
